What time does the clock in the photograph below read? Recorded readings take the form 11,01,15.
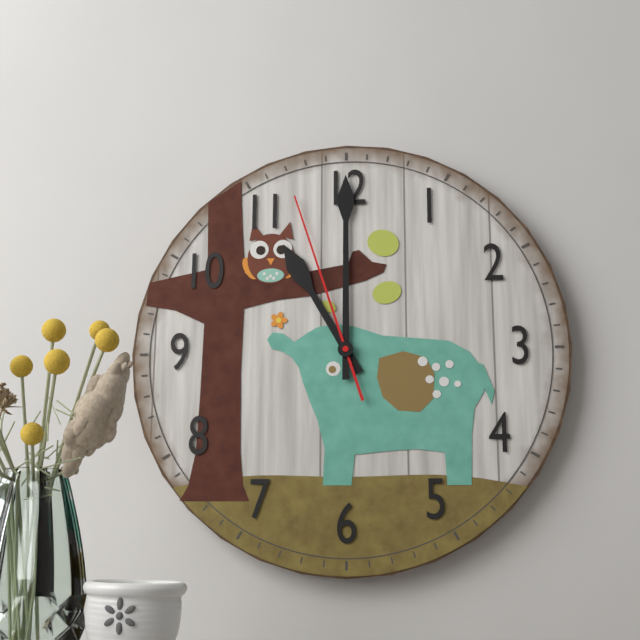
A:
11,00,57
